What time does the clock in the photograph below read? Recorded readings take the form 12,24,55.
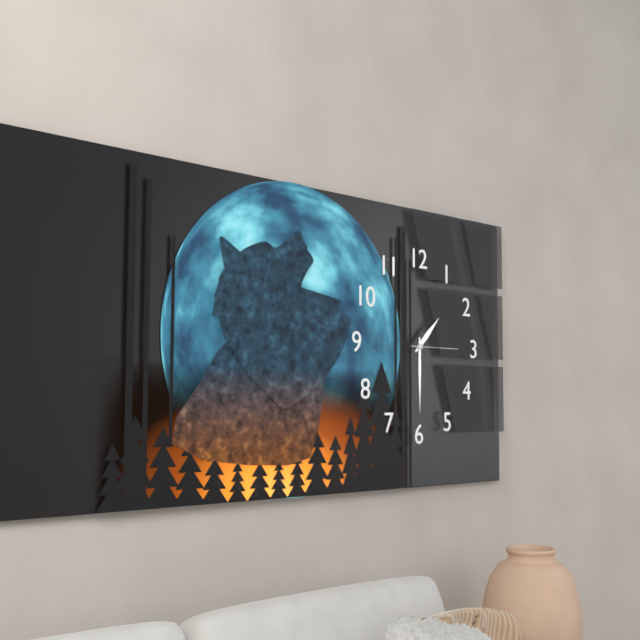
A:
1,30,15
